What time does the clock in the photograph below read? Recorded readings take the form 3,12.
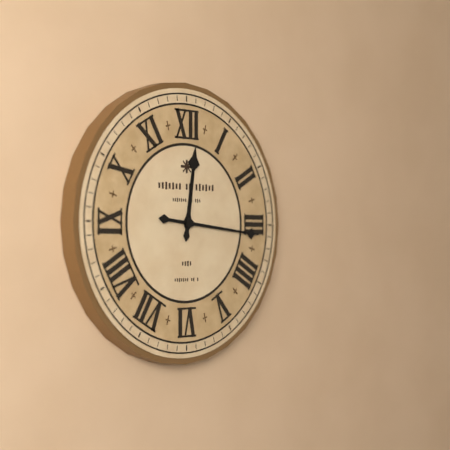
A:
12,16
